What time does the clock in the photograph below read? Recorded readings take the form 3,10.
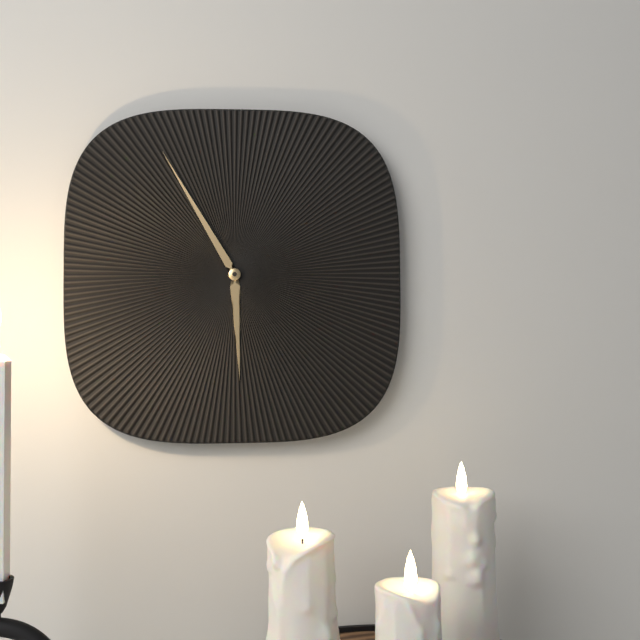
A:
5,55
